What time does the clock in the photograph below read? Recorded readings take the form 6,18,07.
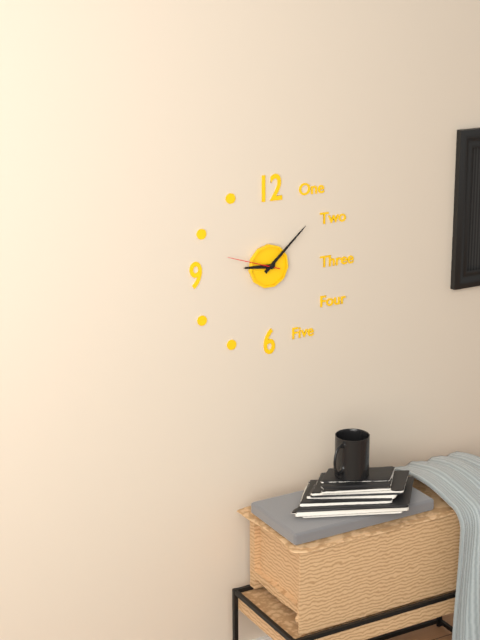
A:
9,08,48
